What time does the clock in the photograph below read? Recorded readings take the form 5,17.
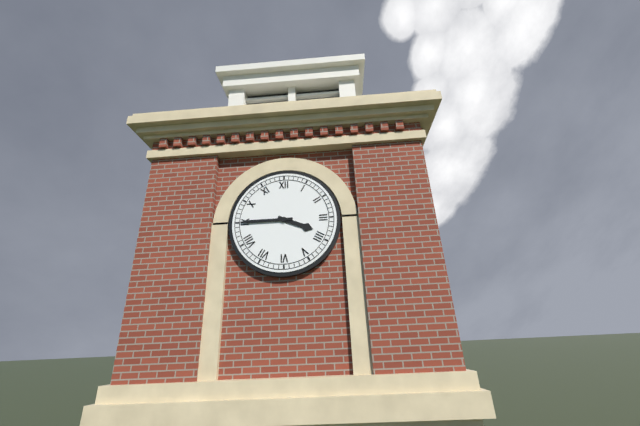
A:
3,45
